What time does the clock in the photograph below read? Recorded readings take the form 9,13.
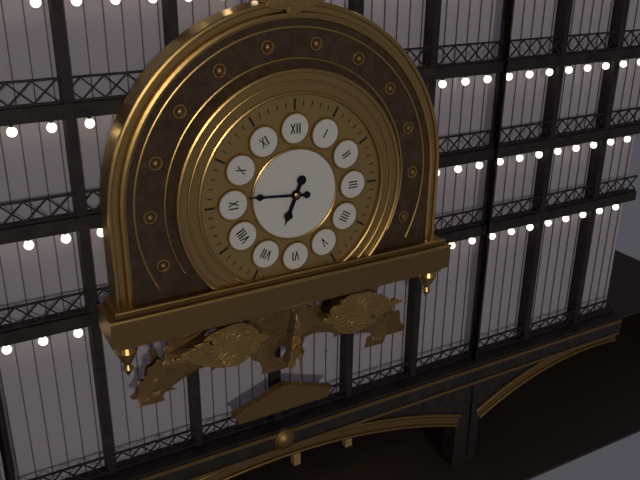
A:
6,46
